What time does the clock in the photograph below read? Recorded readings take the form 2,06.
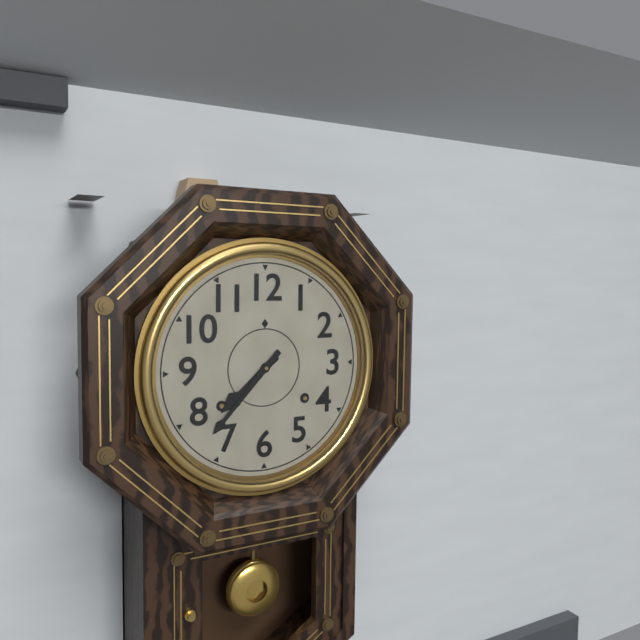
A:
7,37
